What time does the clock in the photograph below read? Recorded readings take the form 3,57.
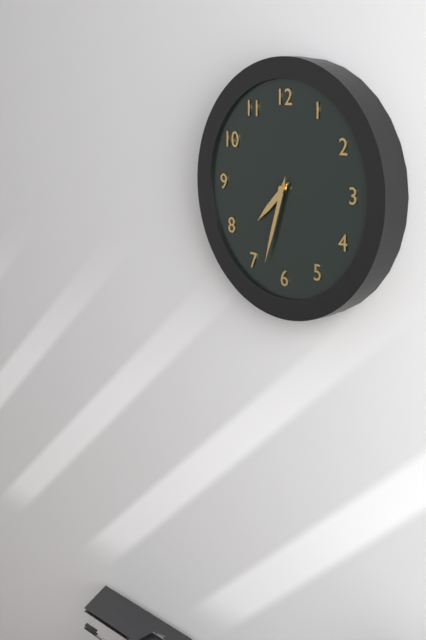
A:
7,33
